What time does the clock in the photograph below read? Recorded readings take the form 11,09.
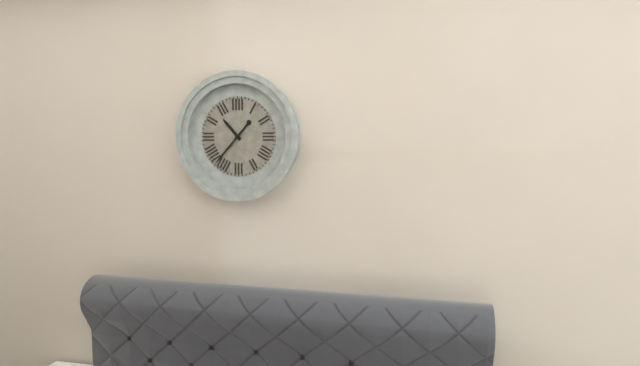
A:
10,37
